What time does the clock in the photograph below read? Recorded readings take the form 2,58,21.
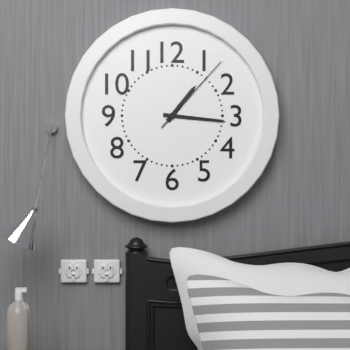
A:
1,16,07
